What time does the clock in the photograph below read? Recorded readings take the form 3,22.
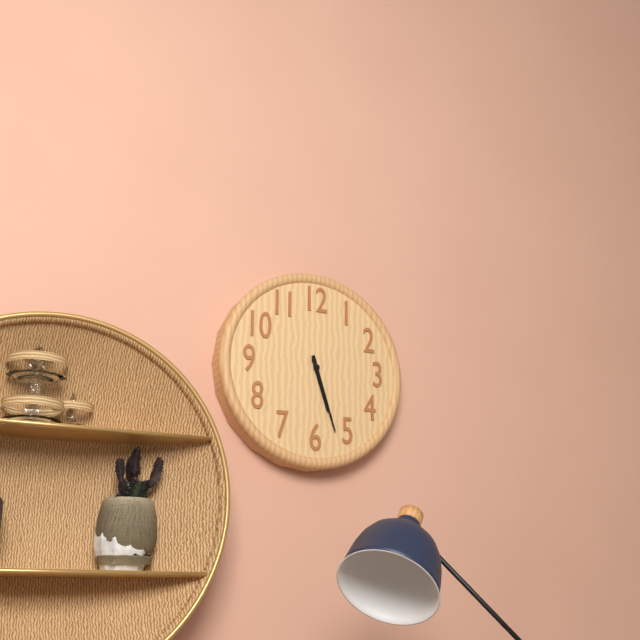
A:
5,27
